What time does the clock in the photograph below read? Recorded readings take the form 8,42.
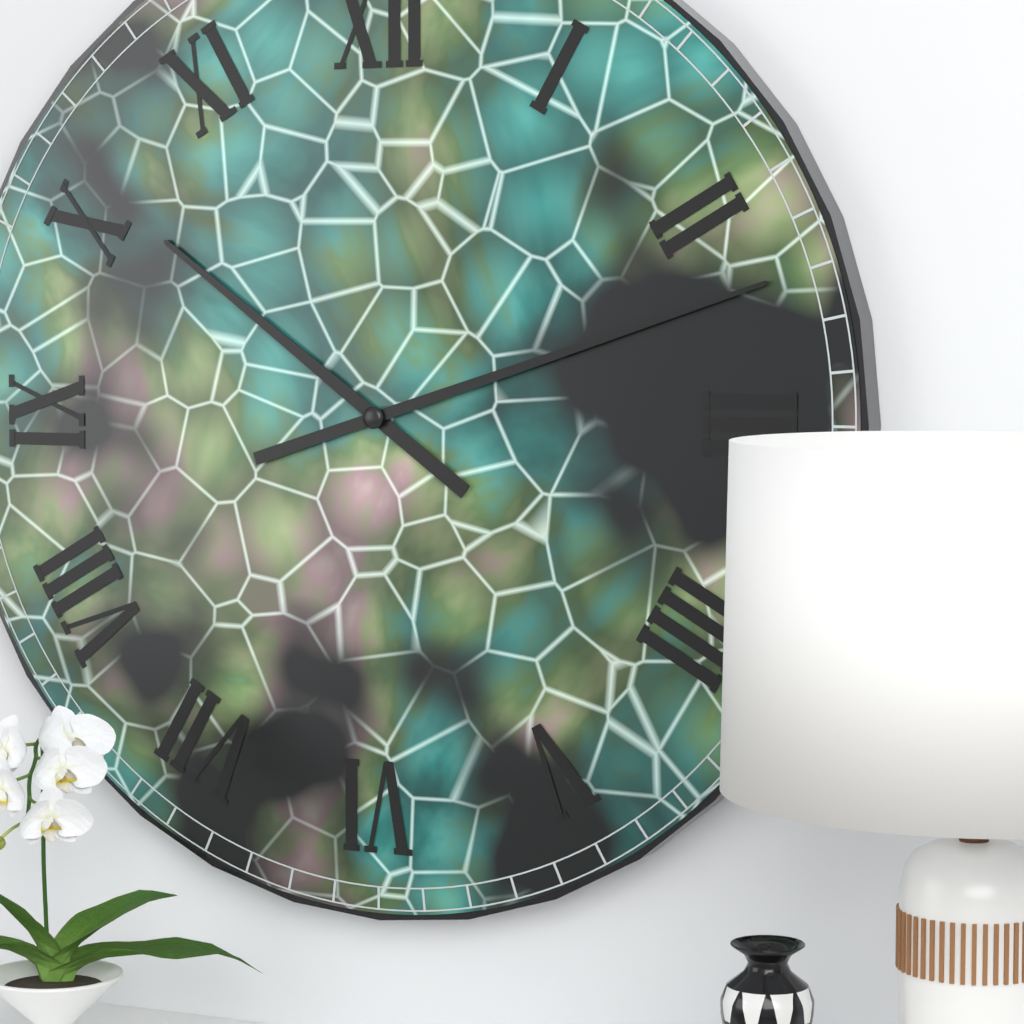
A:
10,12
